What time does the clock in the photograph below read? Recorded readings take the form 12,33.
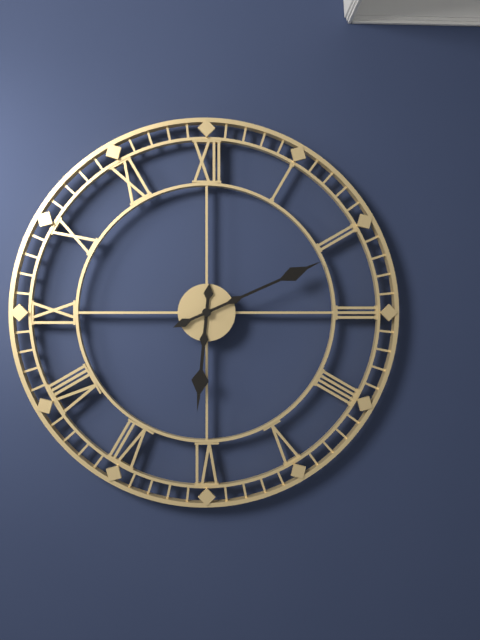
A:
6,11
